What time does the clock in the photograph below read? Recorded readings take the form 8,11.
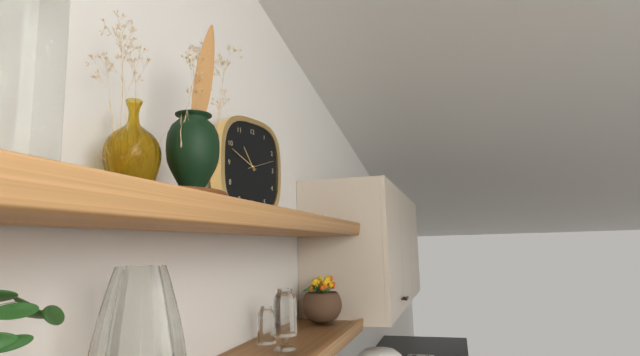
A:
10,49
